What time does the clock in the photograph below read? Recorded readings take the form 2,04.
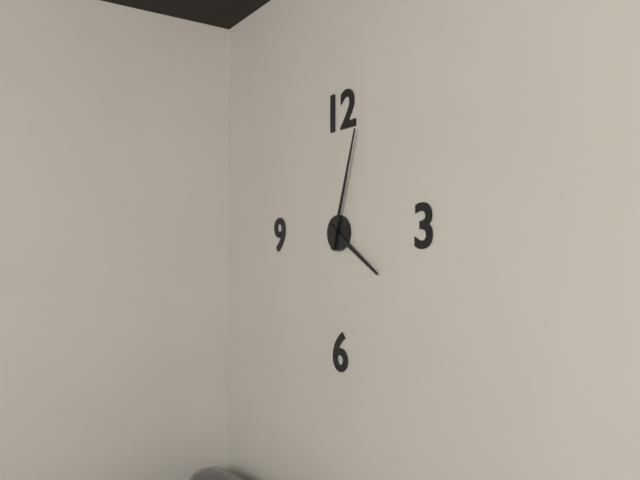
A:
4,03
